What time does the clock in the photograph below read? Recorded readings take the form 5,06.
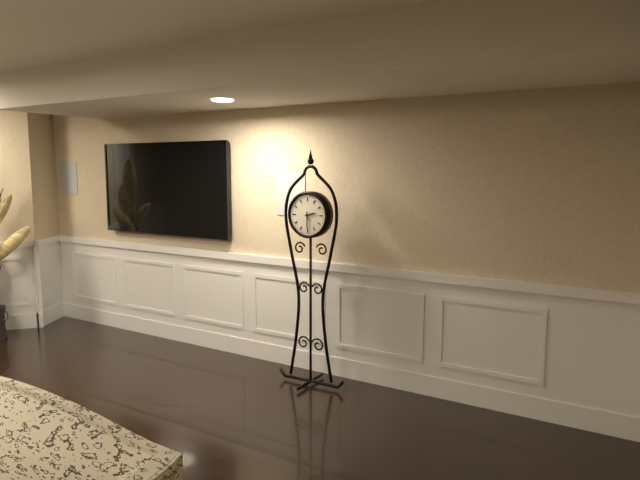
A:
2,30
